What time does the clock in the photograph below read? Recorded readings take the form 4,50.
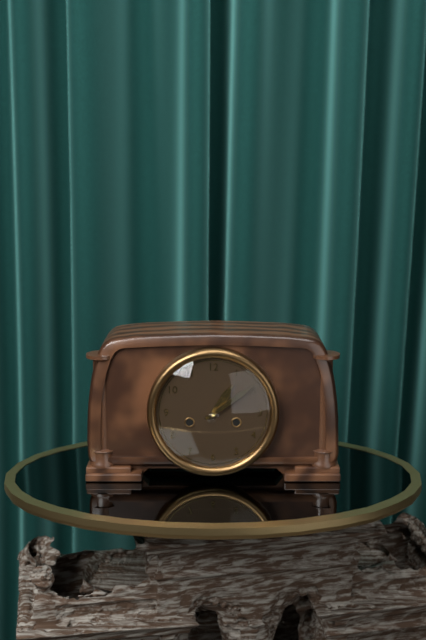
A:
1,09
